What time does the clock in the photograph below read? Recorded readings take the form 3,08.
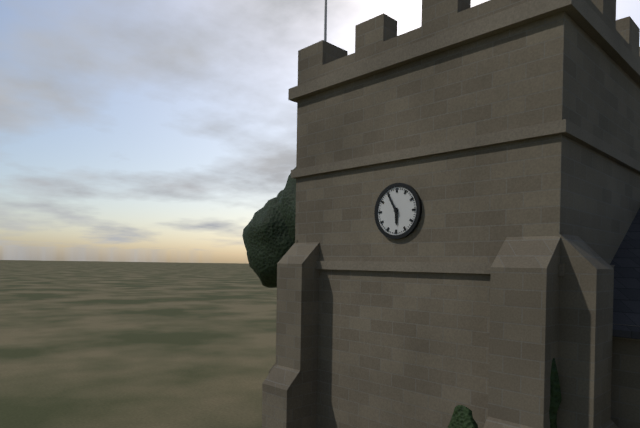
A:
5,55
